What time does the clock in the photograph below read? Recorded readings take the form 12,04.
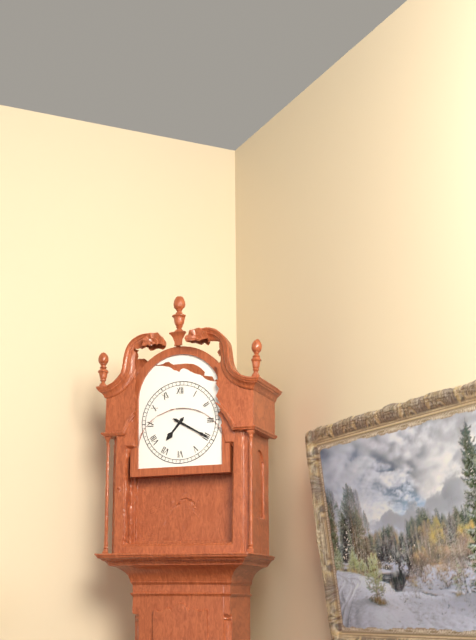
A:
7,20
